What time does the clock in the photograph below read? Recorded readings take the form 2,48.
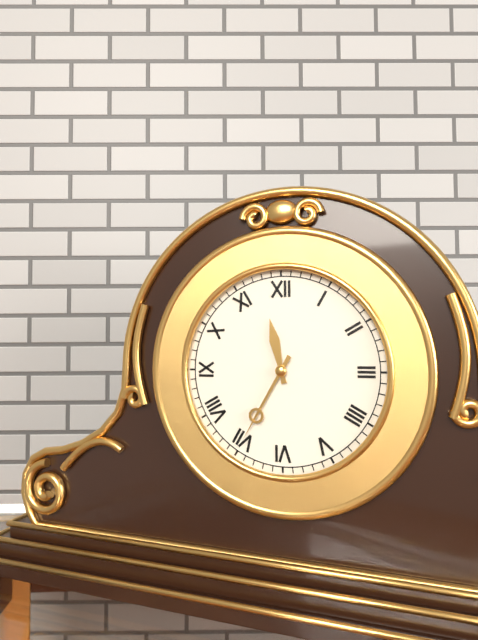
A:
11,35
